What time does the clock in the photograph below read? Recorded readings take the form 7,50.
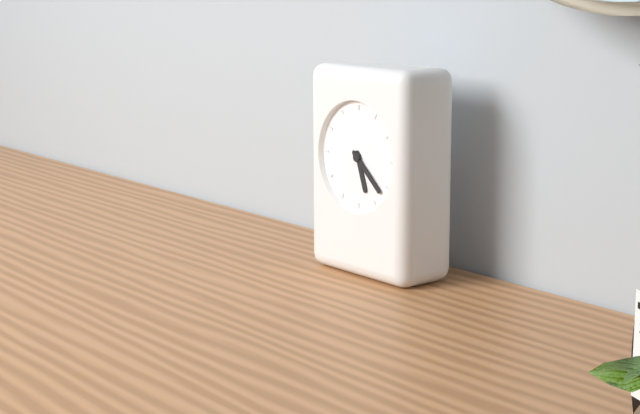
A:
5,22
